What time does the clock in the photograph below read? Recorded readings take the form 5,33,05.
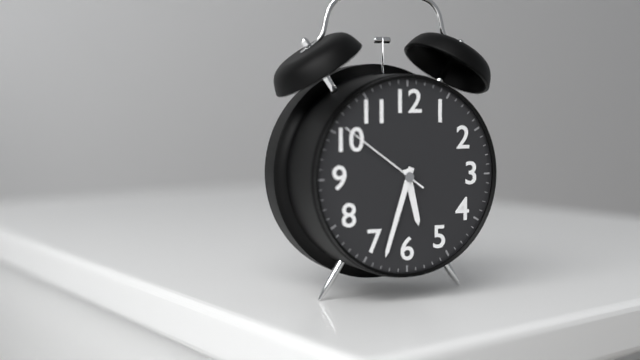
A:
5,33,51
